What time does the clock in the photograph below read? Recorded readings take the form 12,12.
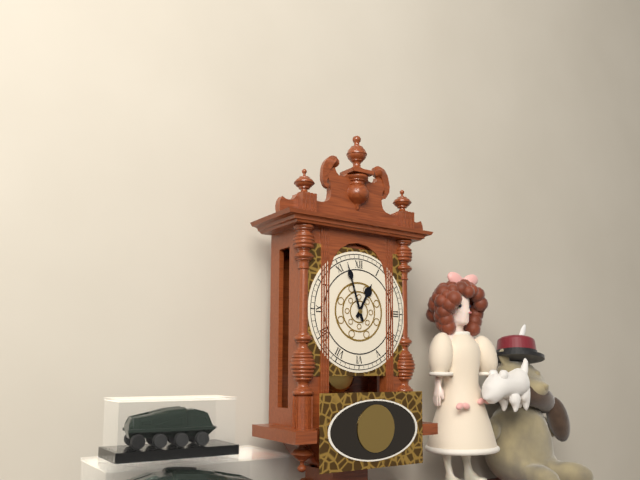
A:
12,57
